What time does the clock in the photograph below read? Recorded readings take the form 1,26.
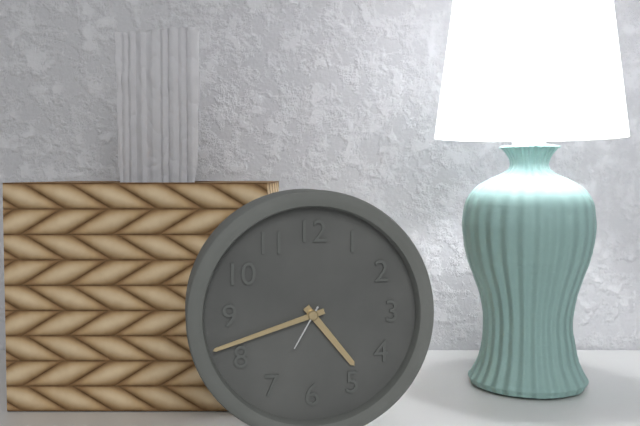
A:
4,42
